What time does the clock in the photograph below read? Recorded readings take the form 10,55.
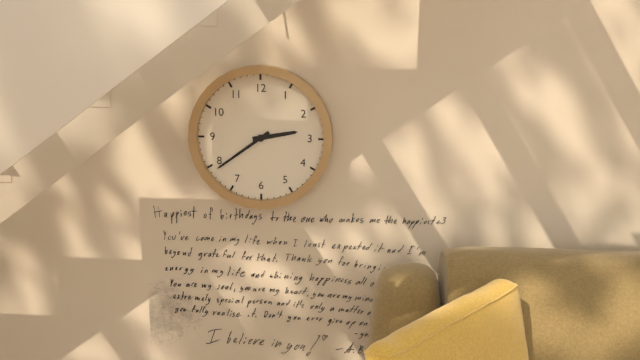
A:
2,39
